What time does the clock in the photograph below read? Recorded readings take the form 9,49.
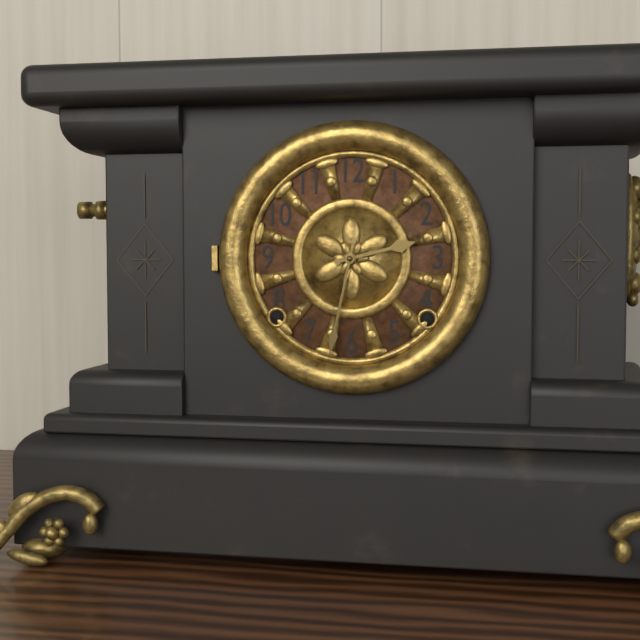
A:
2,32
